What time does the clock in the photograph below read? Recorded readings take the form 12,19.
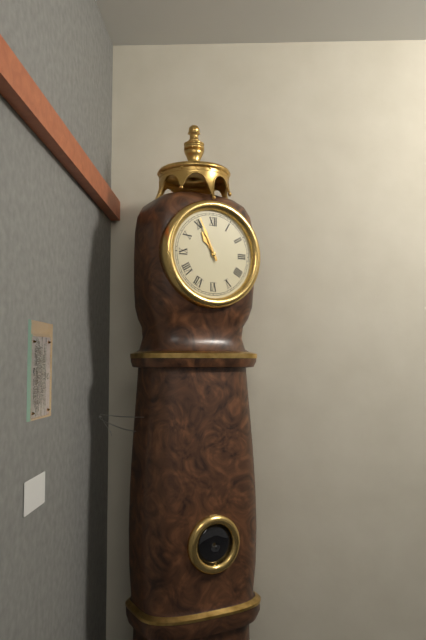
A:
10,56
